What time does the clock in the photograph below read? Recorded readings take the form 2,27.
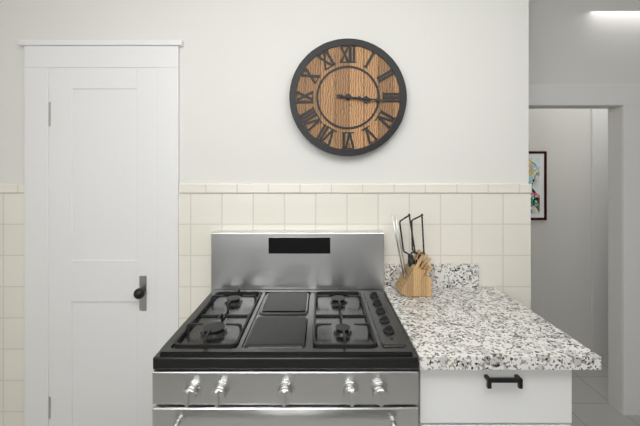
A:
3,16
